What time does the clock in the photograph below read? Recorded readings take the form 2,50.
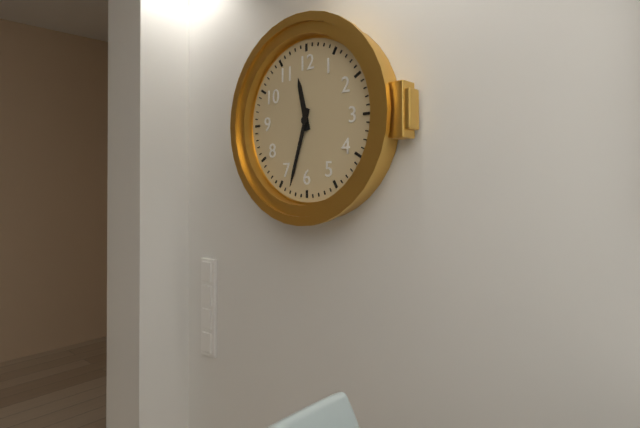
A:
11,33
